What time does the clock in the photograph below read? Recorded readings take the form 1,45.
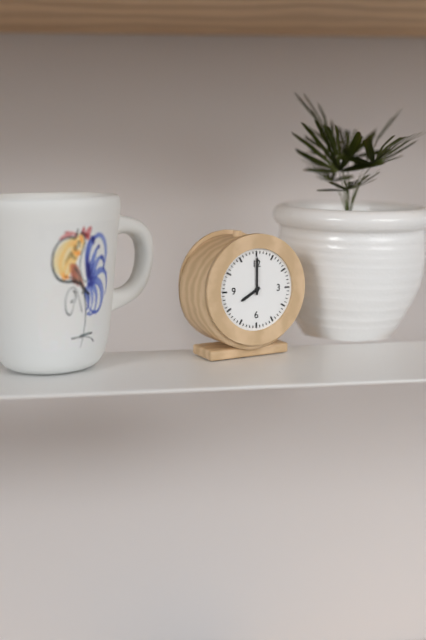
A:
8,00
